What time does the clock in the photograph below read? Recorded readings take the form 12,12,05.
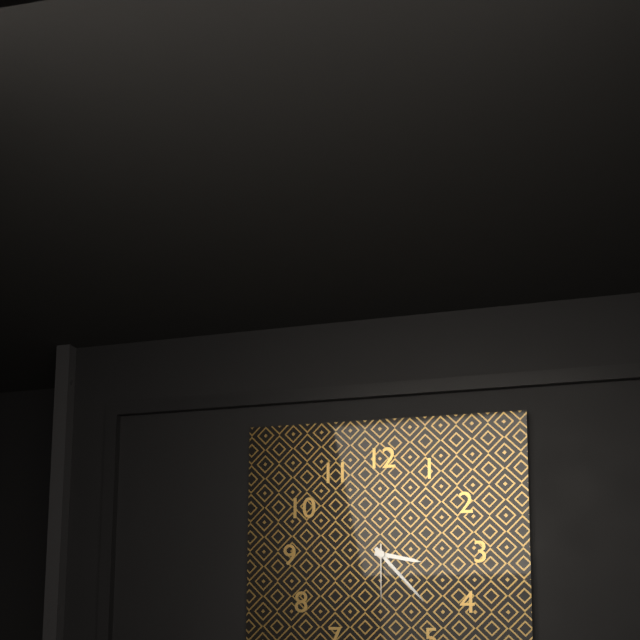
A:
3,23,30
